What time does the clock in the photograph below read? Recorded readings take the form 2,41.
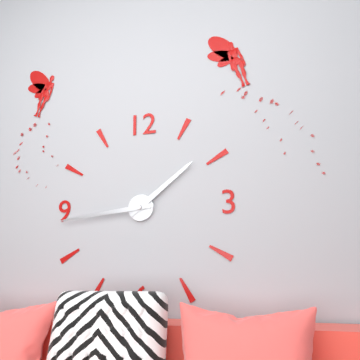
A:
1,44
